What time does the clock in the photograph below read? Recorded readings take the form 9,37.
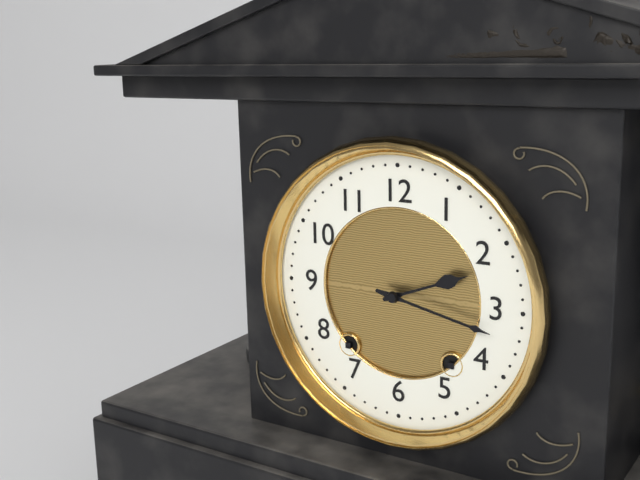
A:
2,17
